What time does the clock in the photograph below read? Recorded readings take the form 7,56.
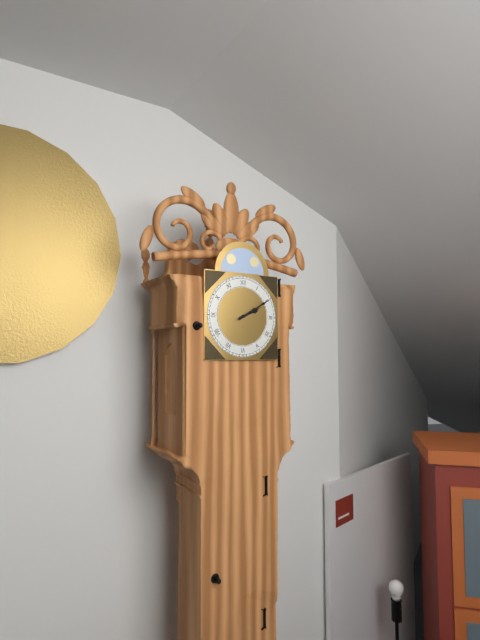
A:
2,10
